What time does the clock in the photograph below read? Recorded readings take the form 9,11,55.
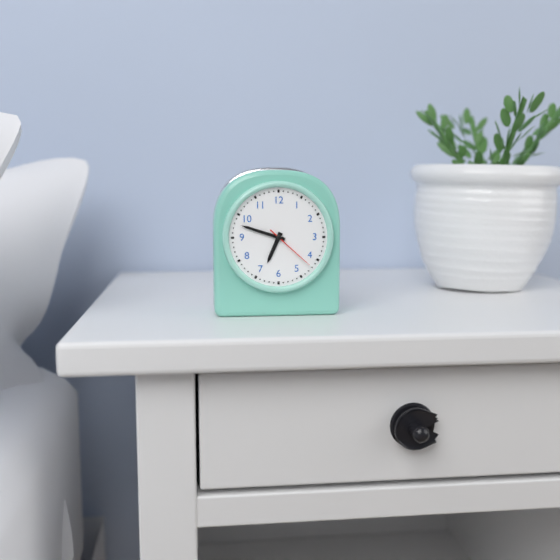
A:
6,48,22
